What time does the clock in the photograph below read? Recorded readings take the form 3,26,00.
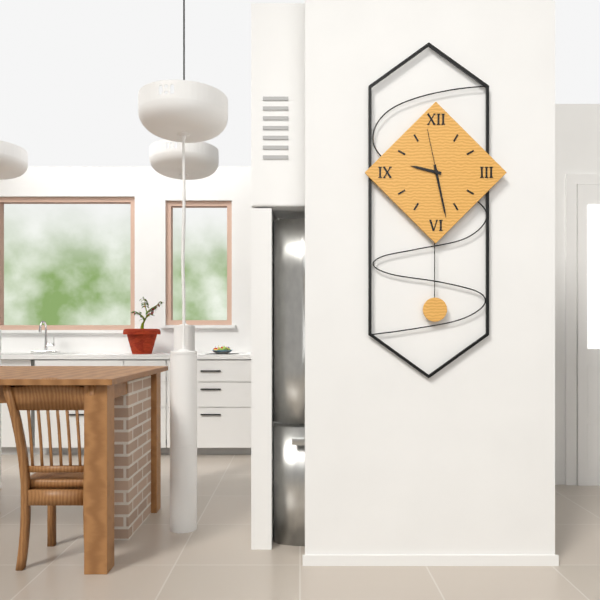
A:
9,28,58
